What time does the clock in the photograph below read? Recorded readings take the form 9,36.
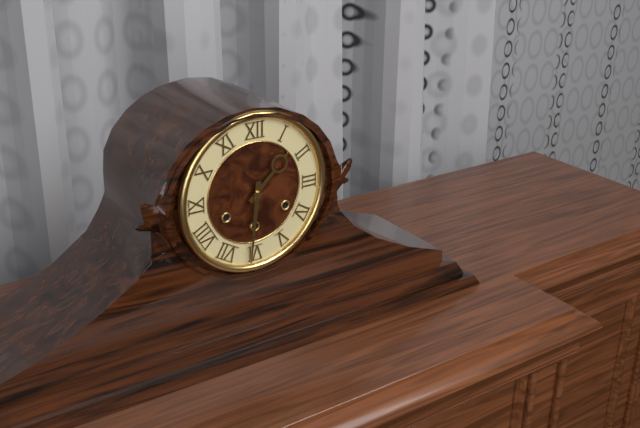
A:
1,31
